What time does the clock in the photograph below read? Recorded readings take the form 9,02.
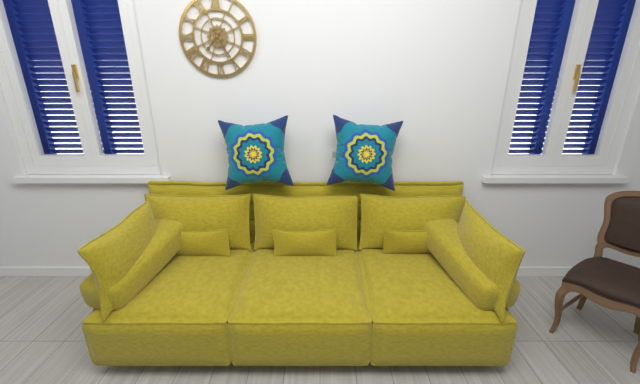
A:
7,25
